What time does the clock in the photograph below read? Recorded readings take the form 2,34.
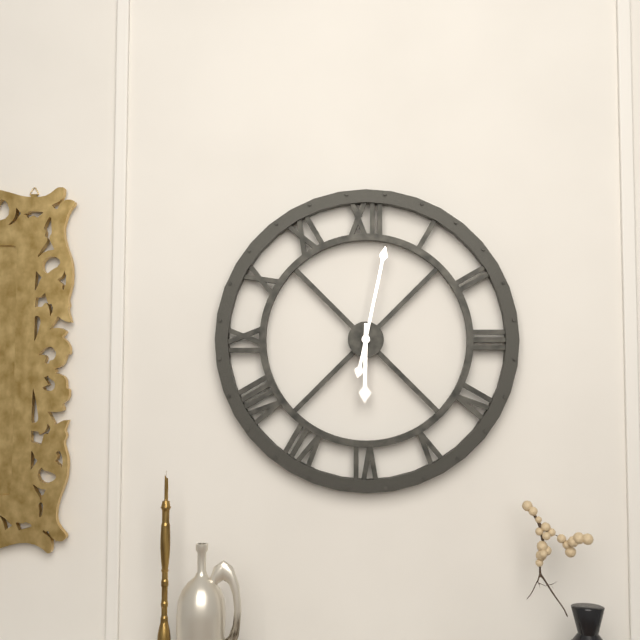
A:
6,02
